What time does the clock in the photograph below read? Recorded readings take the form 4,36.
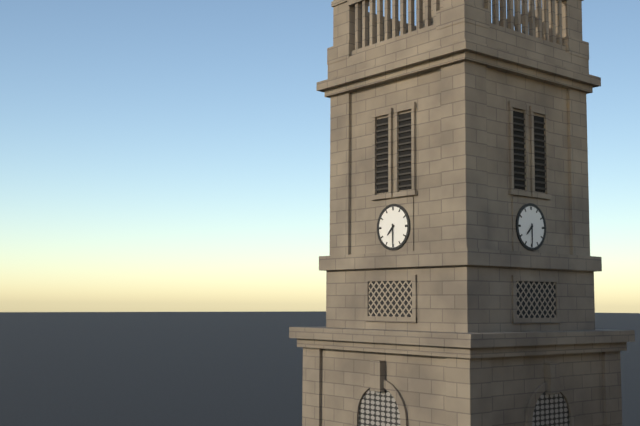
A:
7,30
